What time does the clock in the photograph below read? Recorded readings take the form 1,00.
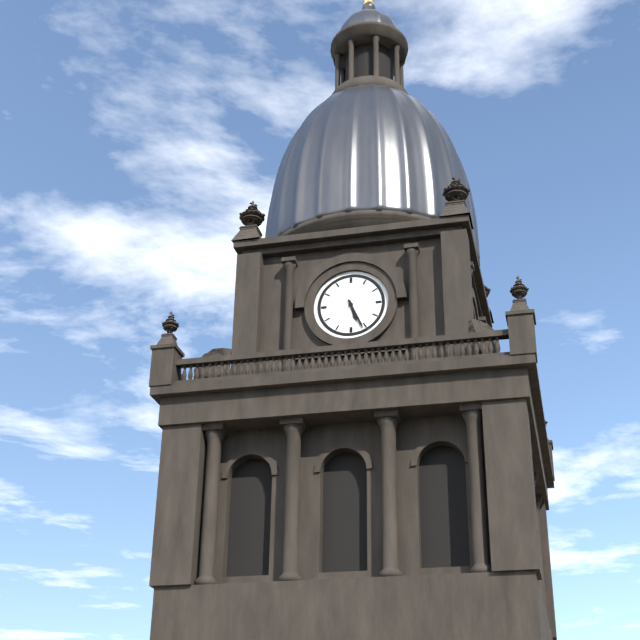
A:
5,26
